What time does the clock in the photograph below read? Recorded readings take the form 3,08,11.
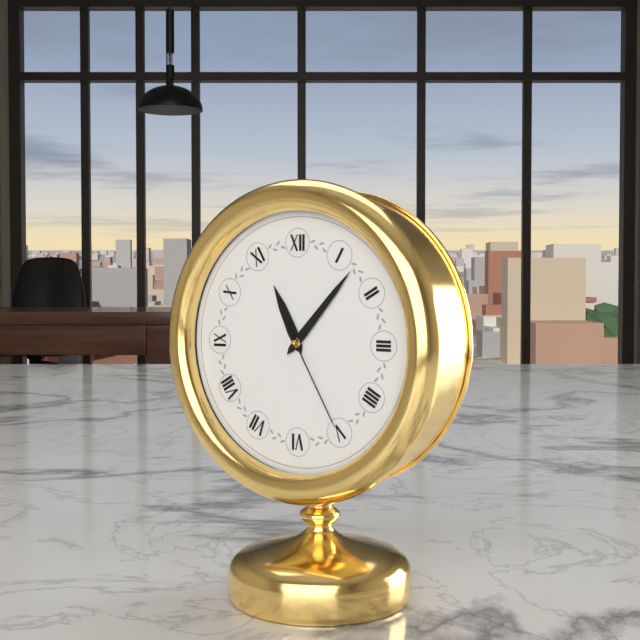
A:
11,07,25
